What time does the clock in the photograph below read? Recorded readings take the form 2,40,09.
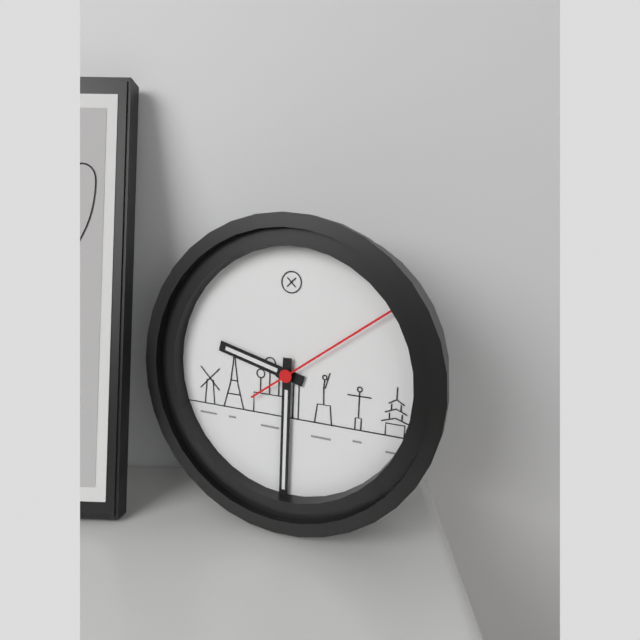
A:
9,30,09
